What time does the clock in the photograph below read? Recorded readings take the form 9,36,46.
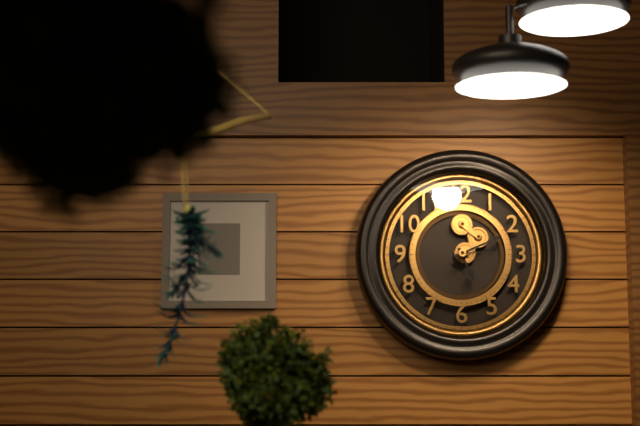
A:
5,11,14
